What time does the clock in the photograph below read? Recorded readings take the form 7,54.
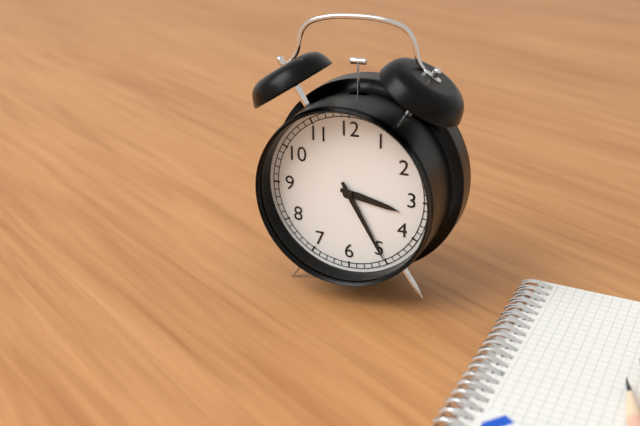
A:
3,25
